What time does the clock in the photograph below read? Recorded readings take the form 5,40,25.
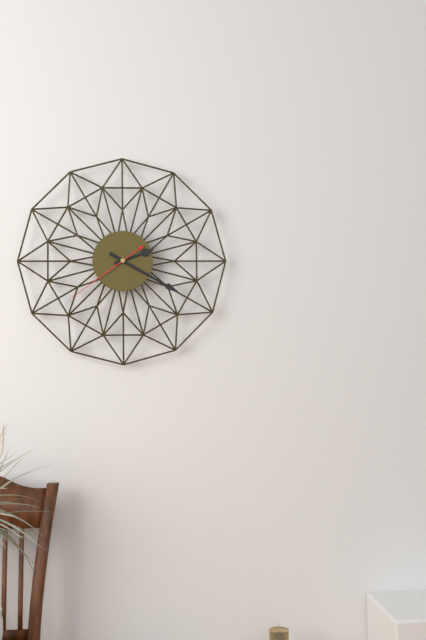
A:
2,20,39
